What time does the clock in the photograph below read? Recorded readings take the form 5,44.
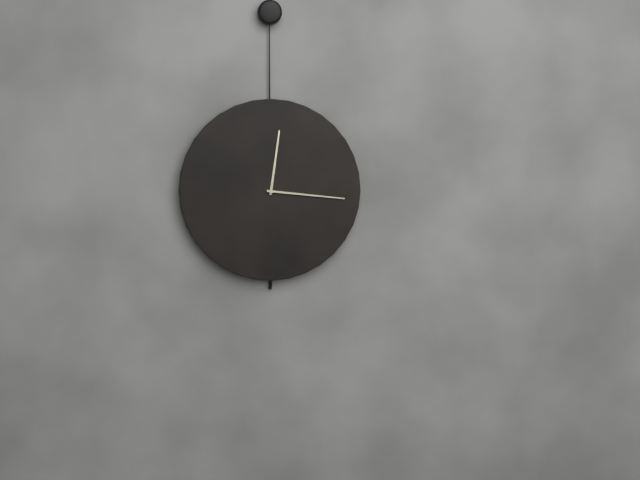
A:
12,16
